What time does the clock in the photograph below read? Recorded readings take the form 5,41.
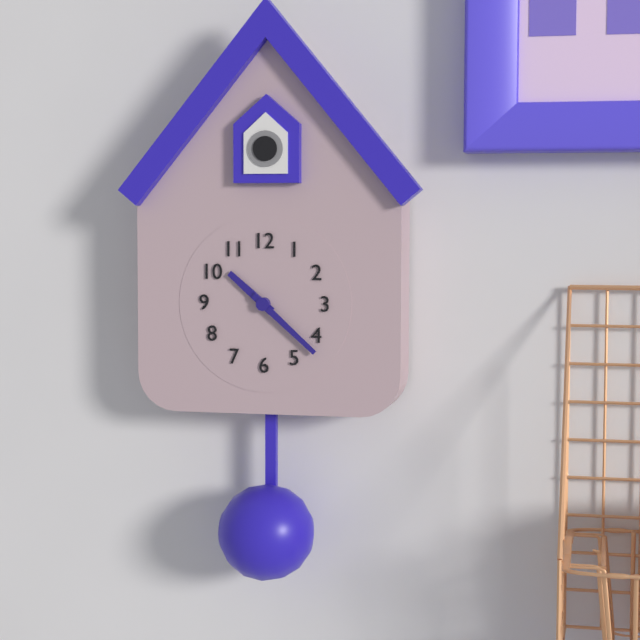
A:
10,22
